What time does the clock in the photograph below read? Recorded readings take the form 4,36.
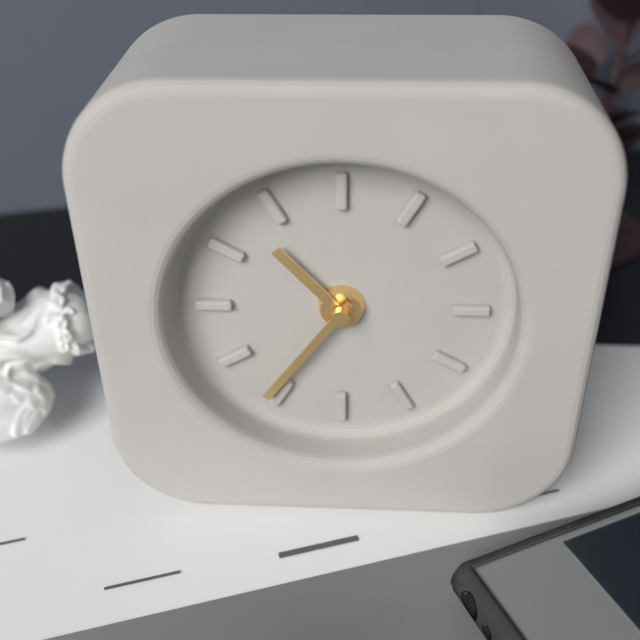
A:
10,36
